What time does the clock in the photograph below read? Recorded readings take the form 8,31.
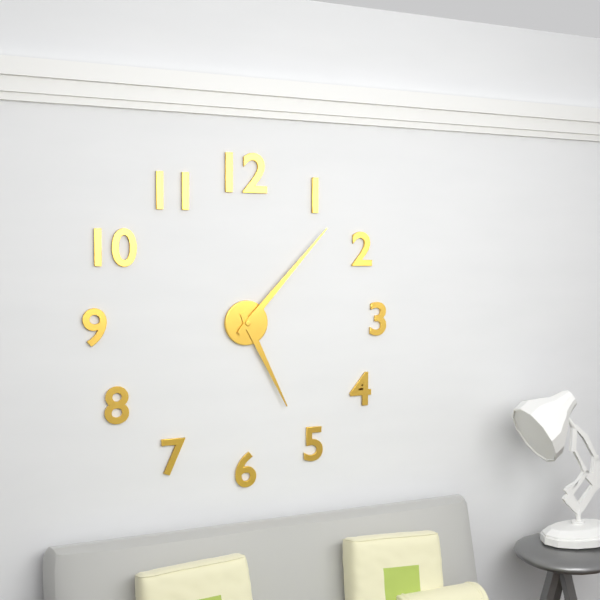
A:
5,07
